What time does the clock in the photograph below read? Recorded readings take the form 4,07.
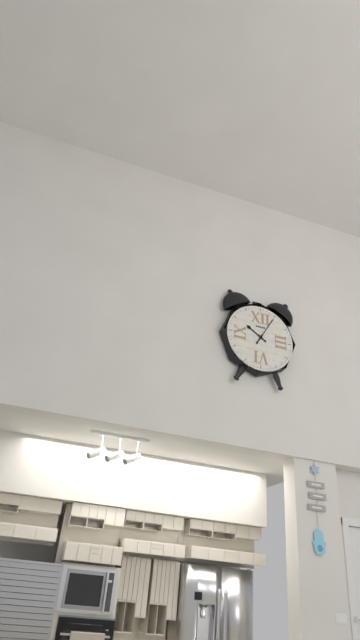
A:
10,05
